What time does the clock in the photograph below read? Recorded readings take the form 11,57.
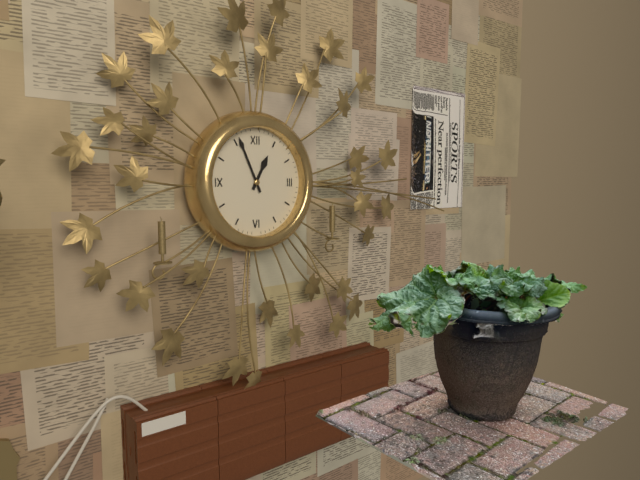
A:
12,56
